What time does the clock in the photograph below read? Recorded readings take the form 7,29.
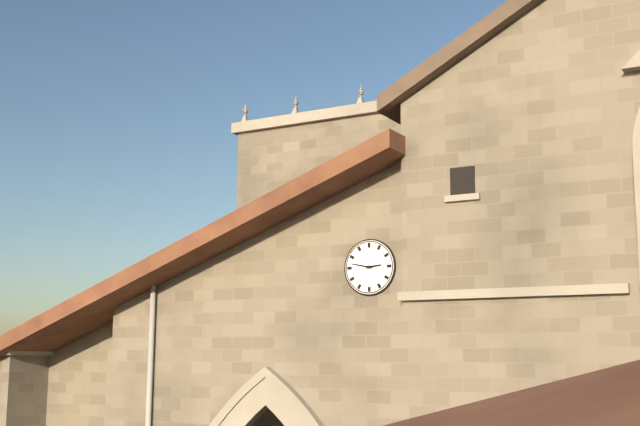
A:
2,47
